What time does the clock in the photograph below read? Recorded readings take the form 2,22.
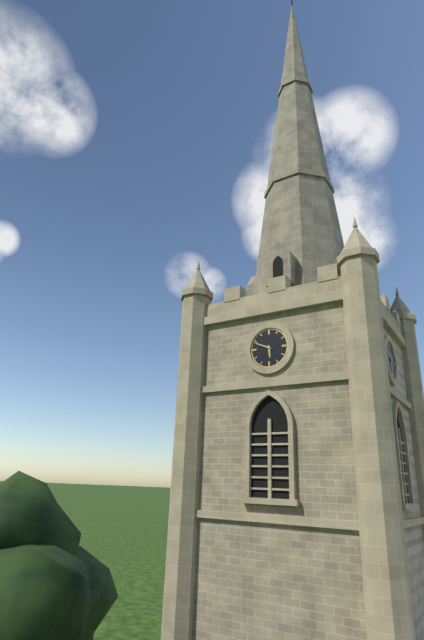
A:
5,49
